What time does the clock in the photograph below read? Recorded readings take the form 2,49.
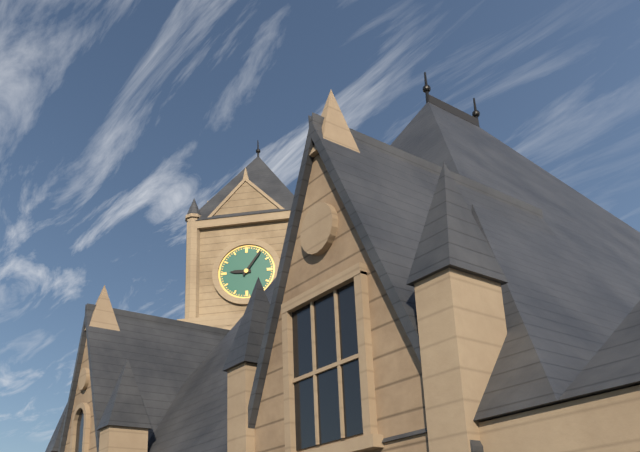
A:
9,06
